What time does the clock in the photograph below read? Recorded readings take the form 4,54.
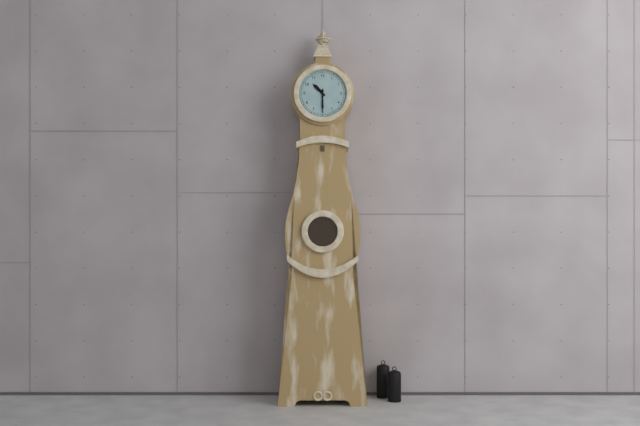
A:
10,30
